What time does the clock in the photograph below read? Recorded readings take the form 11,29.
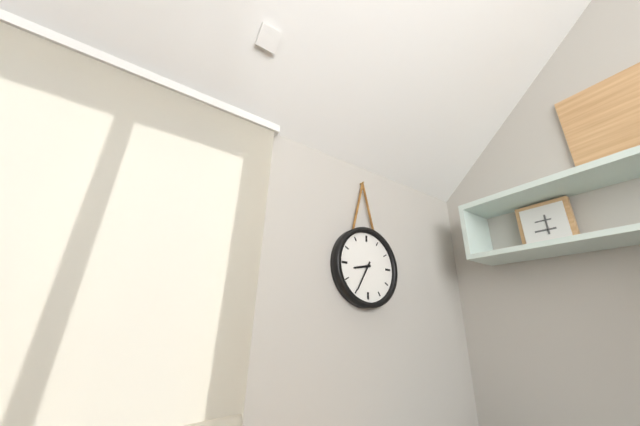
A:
8,35
